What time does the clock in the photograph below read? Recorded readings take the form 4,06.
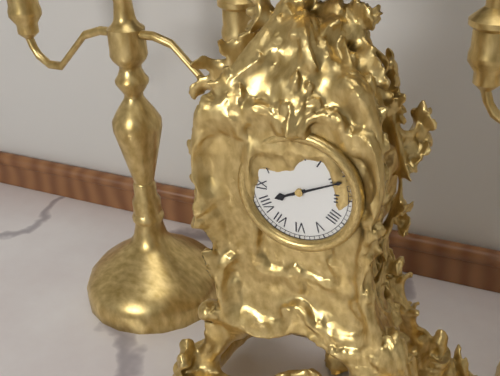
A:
8,11
